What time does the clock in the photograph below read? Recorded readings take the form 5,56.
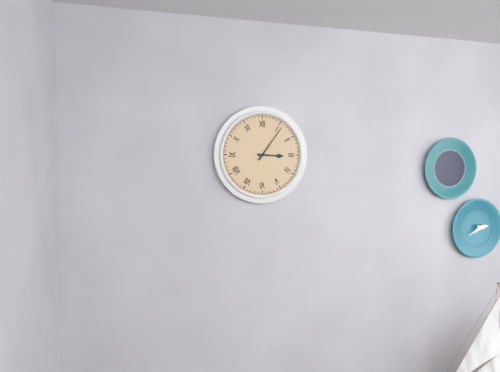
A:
3,06
